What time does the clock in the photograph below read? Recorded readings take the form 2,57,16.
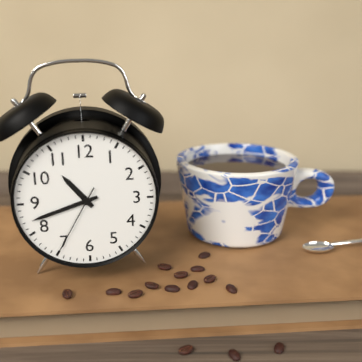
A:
10,42,35
